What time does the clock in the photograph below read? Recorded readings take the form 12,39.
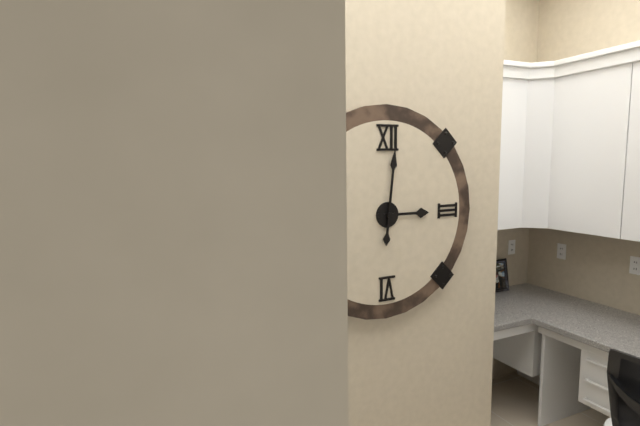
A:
3,01
